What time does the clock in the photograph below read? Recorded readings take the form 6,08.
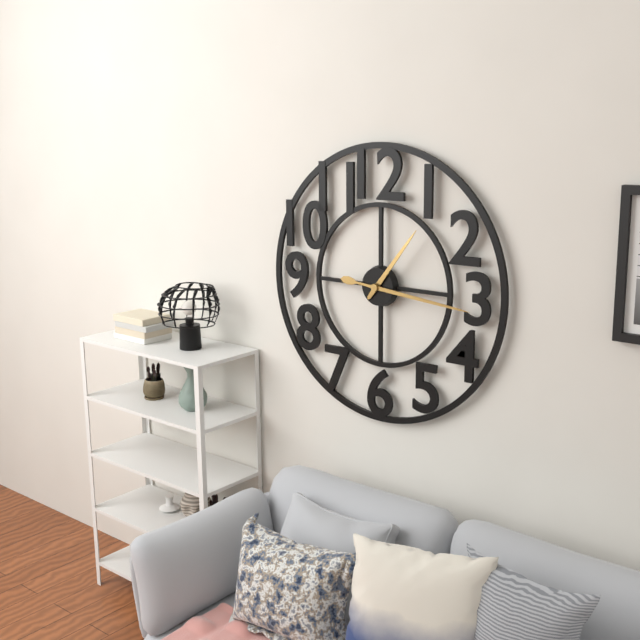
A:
1,16
